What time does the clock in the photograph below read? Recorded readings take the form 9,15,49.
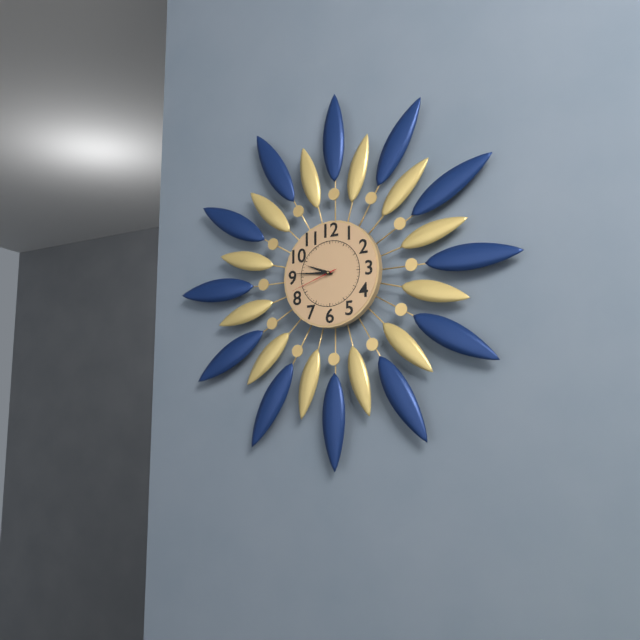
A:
9,46,42
